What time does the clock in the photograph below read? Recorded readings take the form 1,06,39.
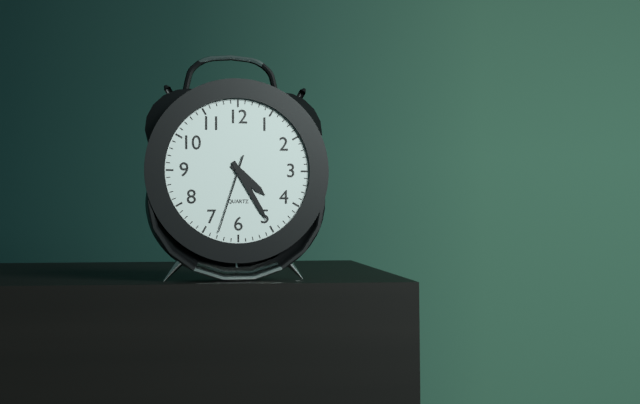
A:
4,25,33
